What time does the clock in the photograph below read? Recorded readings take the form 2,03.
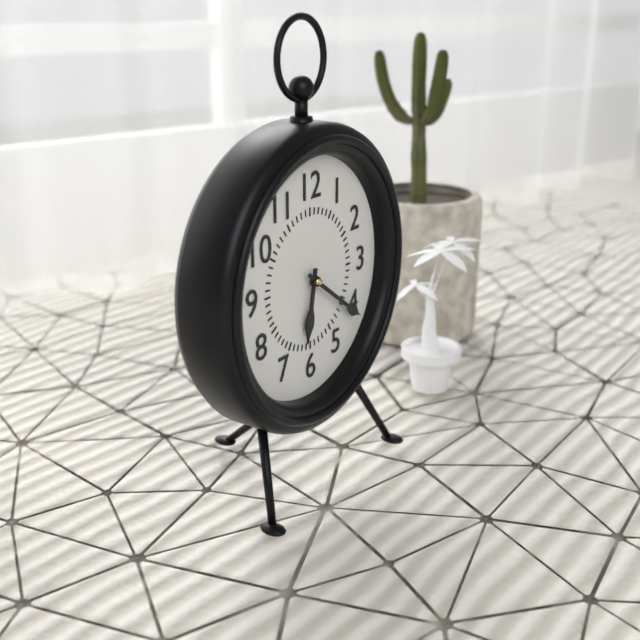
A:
6,21
